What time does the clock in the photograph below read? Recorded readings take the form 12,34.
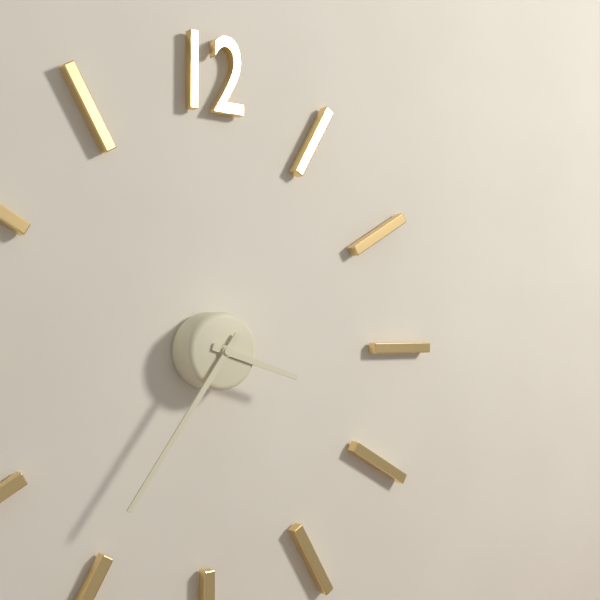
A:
3,36
